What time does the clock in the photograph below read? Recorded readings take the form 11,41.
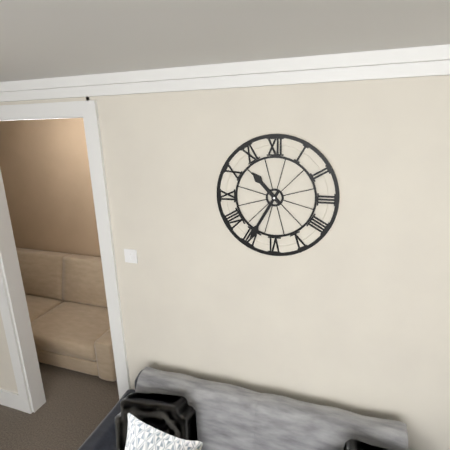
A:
10,35
